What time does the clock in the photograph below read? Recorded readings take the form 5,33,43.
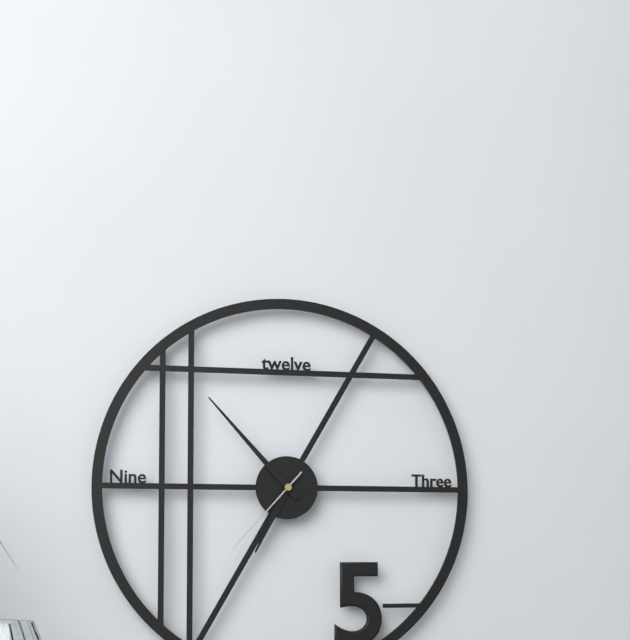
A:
6,53,37
